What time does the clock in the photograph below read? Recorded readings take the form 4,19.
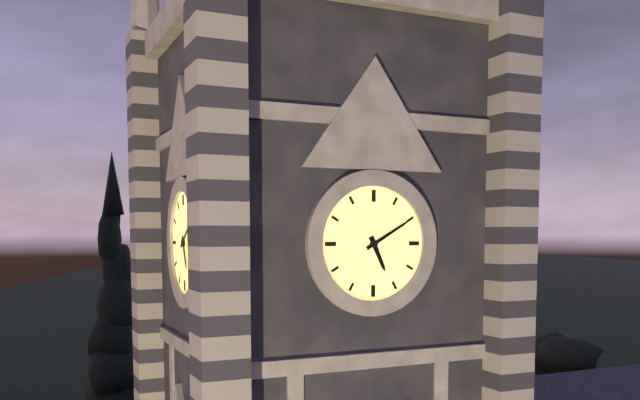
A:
5,10
